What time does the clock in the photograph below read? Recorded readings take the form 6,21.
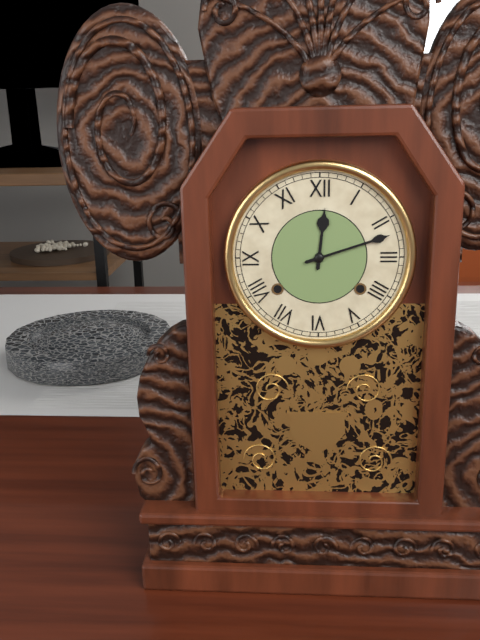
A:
12,12
